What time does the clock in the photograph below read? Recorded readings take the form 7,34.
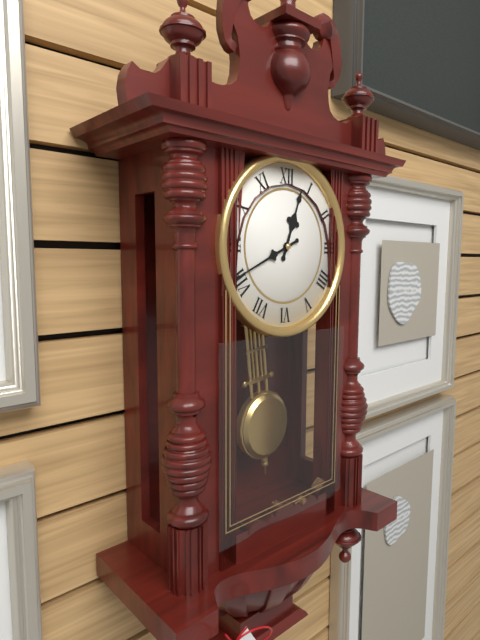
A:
12,41
